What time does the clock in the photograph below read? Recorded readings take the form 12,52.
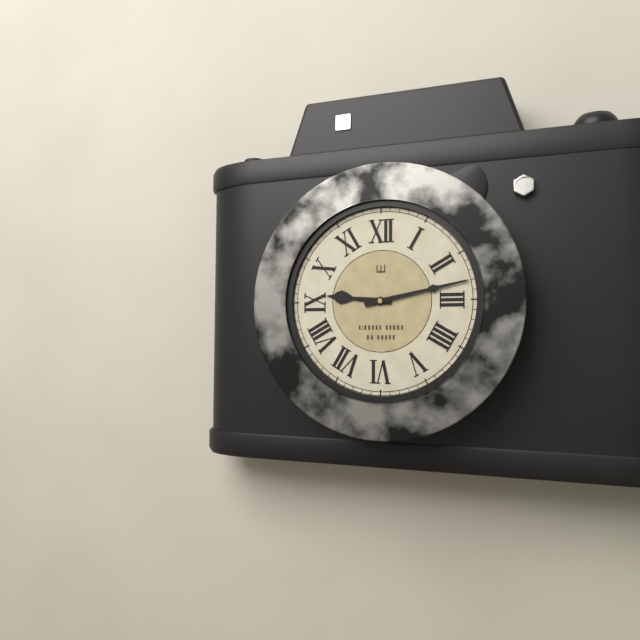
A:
9,13
